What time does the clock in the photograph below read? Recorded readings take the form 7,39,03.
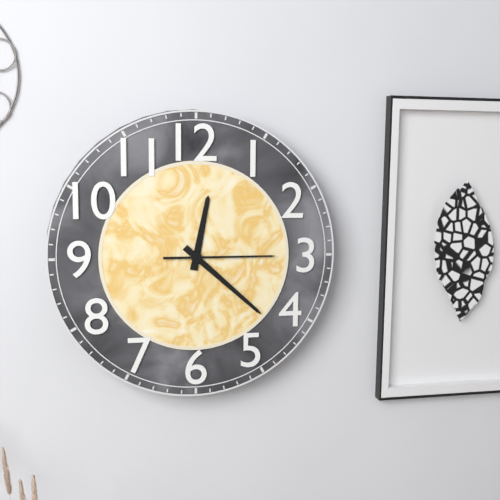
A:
12,22,15
